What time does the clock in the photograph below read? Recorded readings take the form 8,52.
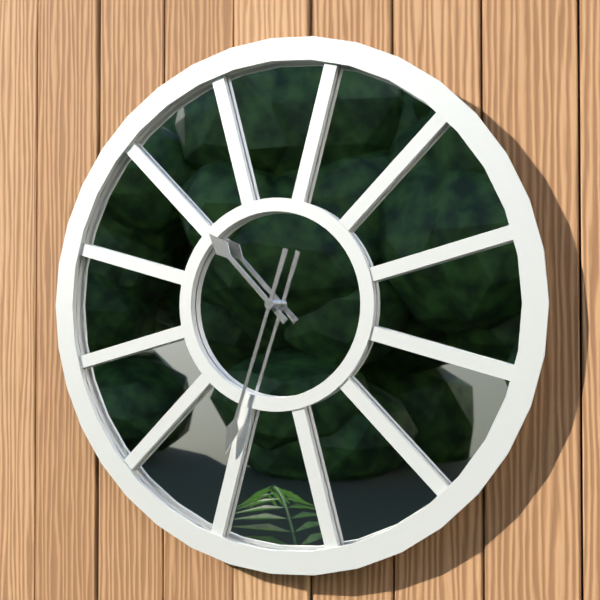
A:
10,33
